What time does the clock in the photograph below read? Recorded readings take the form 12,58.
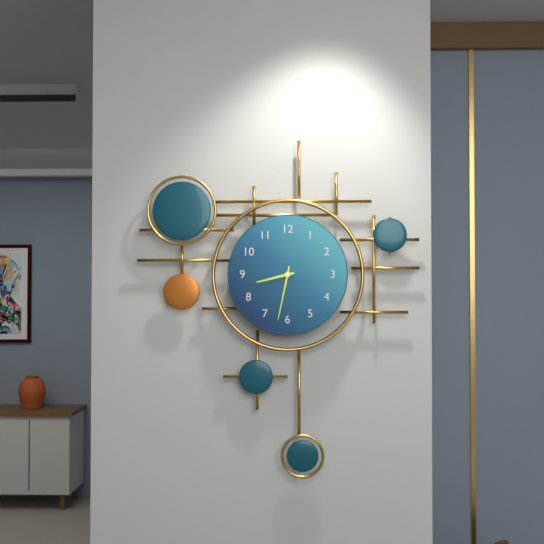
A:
8,32
